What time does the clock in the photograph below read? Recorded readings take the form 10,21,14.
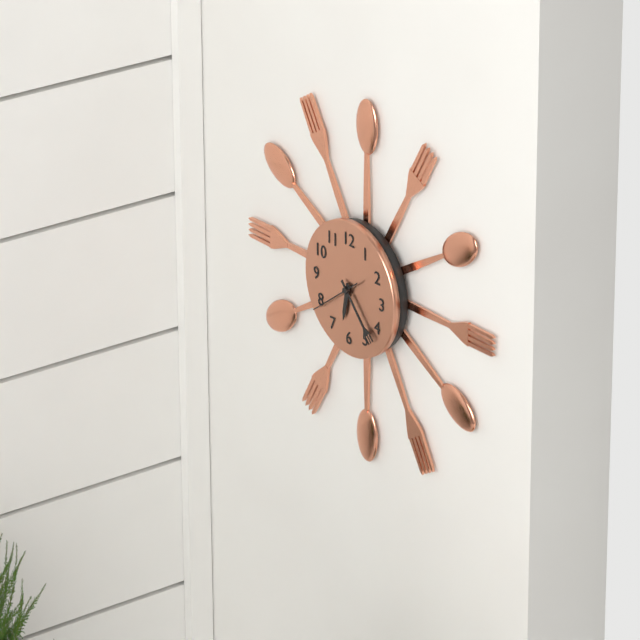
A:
6,23,39
